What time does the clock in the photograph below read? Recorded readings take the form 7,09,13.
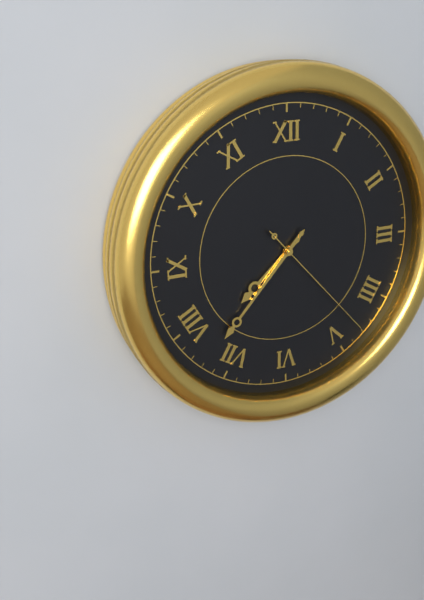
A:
7,37,23
